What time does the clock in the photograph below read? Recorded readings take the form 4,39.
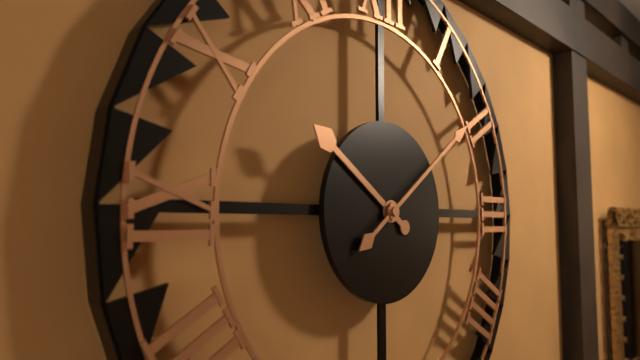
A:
10,09
